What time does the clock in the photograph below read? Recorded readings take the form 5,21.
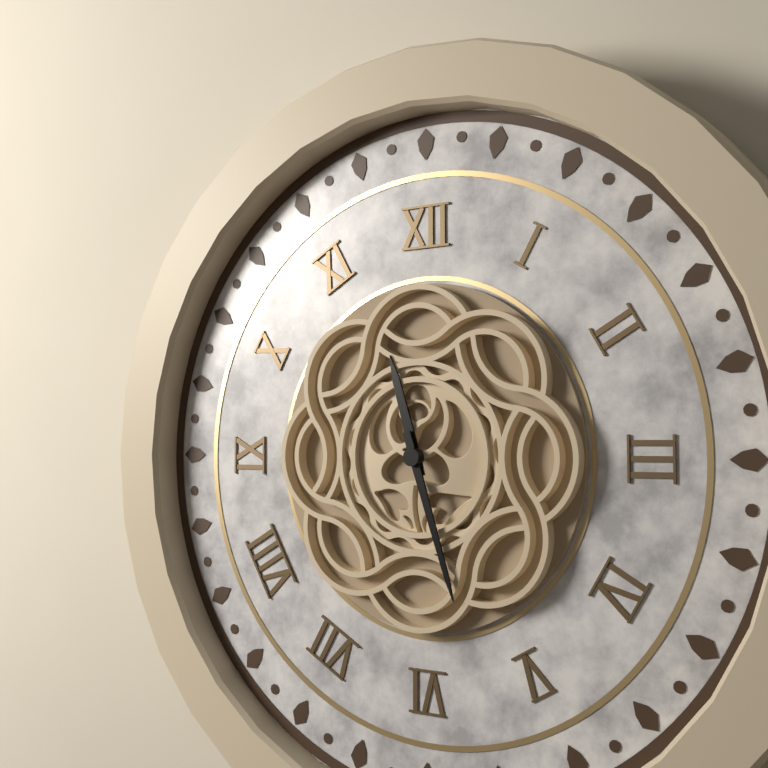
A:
11,27
